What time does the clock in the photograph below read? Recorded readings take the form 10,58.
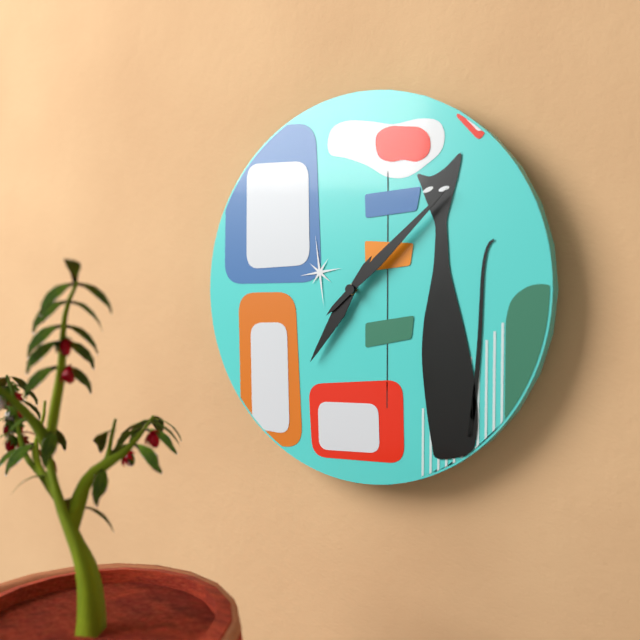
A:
7,08
